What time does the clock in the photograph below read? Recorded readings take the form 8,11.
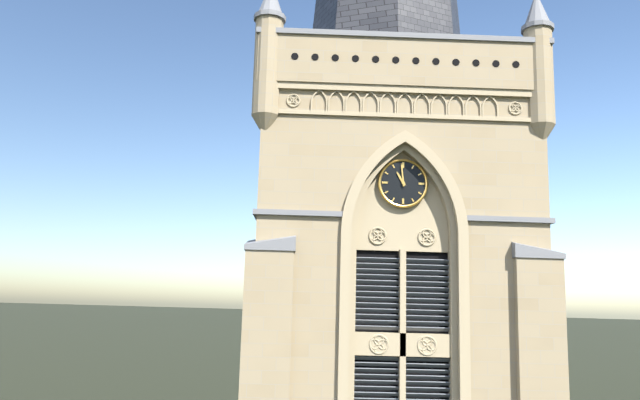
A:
10,59
